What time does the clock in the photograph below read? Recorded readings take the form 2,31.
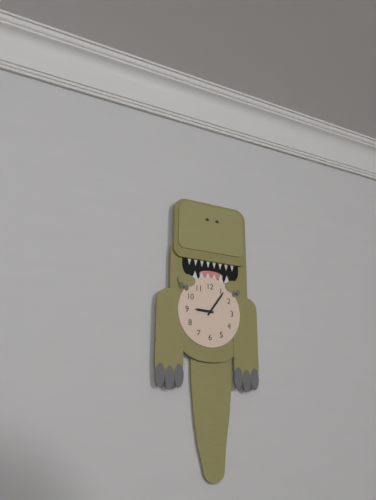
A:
9,06
